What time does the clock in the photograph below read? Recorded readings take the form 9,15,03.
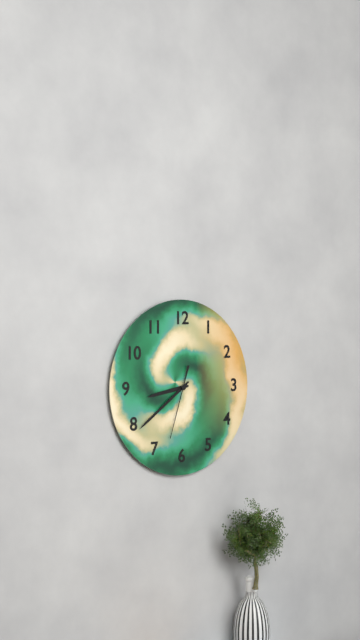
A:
8,39,33
